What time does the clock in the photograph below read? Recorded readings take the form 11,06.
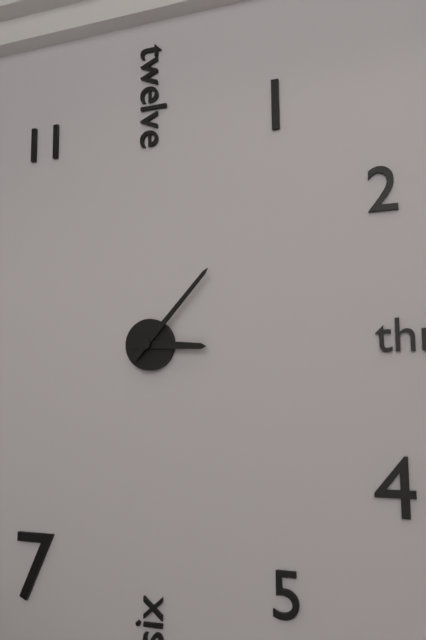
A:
3,07
